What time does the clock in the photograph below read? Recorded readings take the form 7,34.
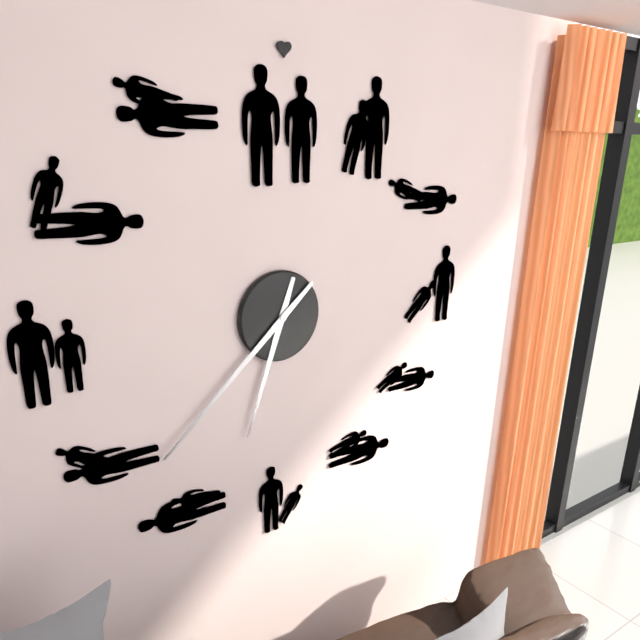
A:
6,38
